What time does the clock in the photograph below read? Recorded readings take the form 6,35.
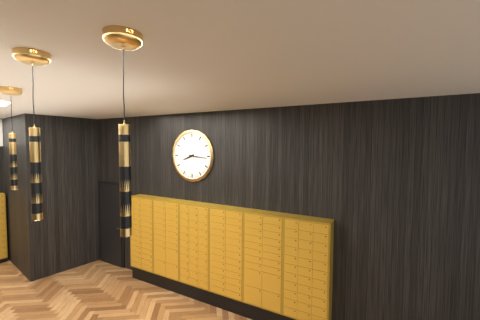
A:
8,16
